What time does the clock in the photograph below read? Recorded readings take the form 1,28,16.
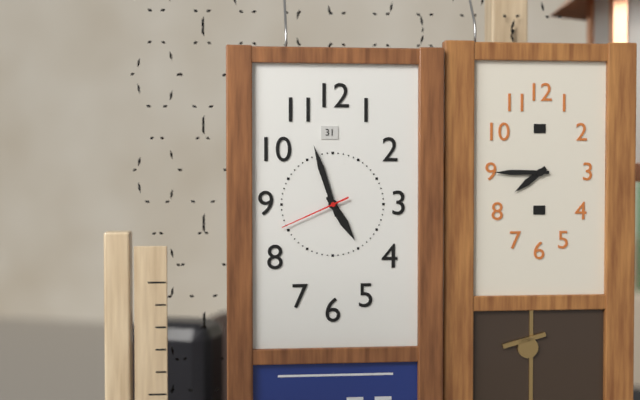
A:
4,57,41
